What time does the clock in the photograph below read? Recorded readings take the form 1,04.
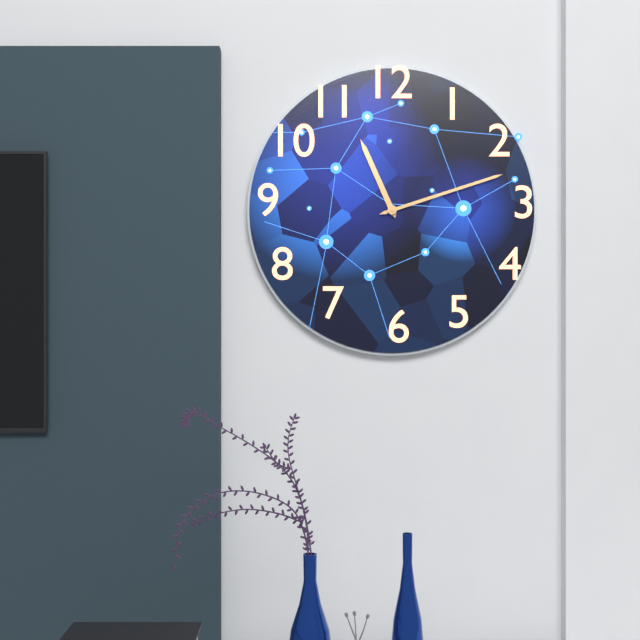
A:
11,12
